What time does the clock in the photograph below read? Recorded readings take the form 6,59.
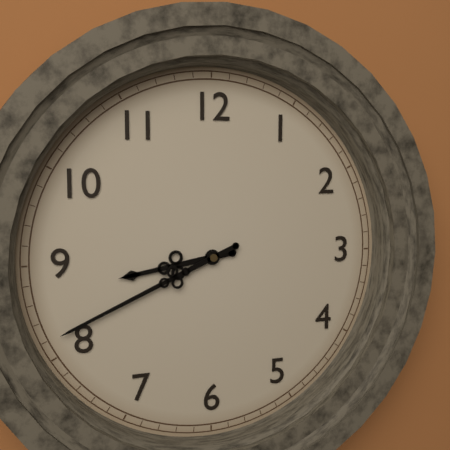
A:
8,41
